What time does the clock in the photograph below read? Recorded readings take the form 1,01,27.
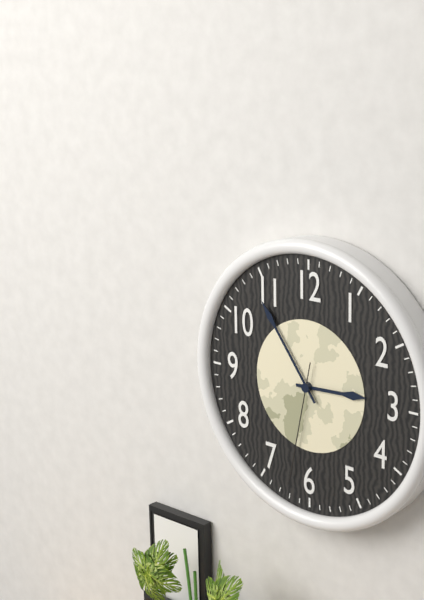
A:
2,54,32
